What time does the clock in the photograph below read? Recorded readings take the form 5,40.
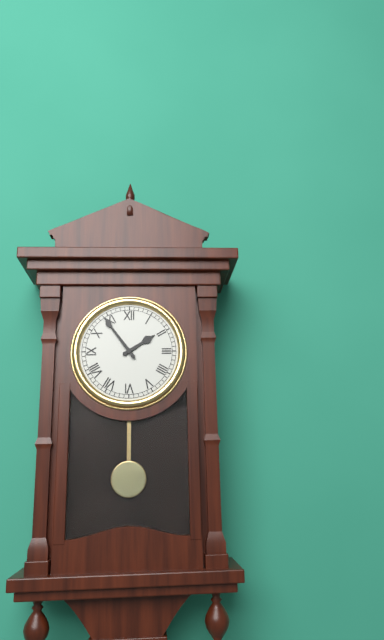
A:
1,54
